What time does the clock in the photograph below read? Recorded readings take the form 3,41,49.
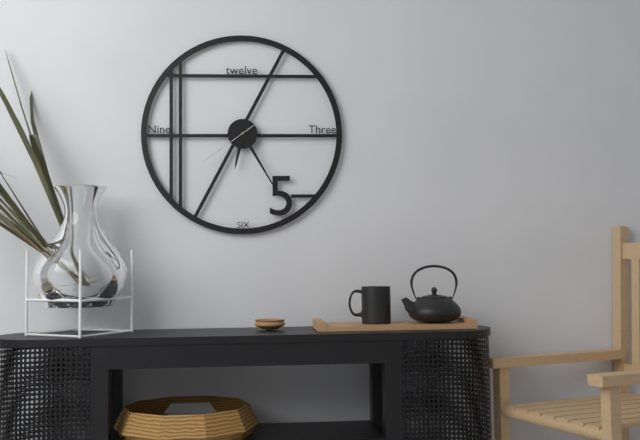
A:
6,25,39
